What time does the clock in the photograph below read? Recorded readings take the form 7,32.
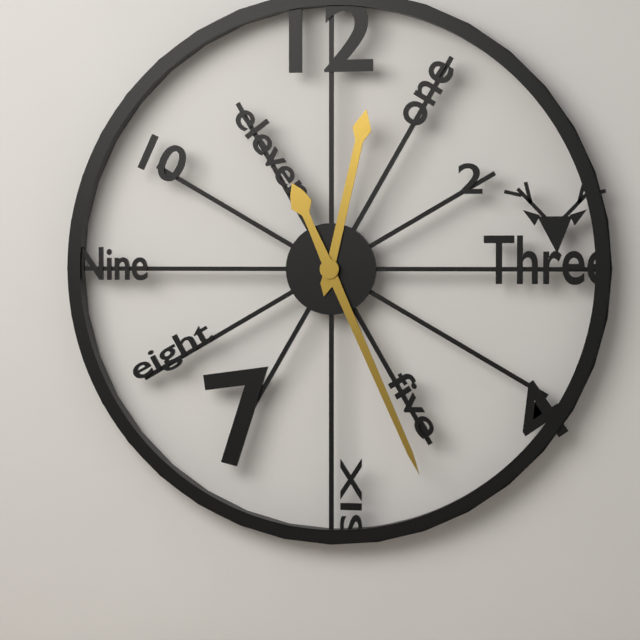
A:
12,26
